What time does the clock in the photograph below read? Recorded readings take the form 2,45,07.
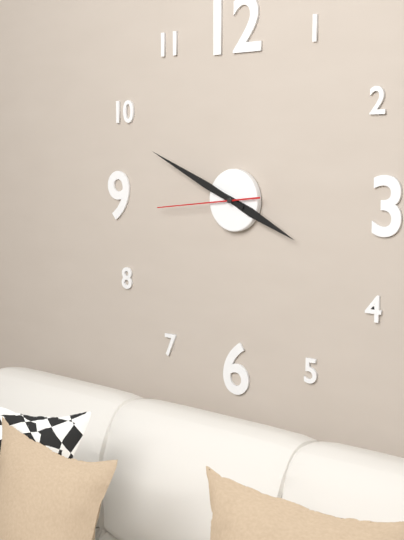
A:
3,49,44
